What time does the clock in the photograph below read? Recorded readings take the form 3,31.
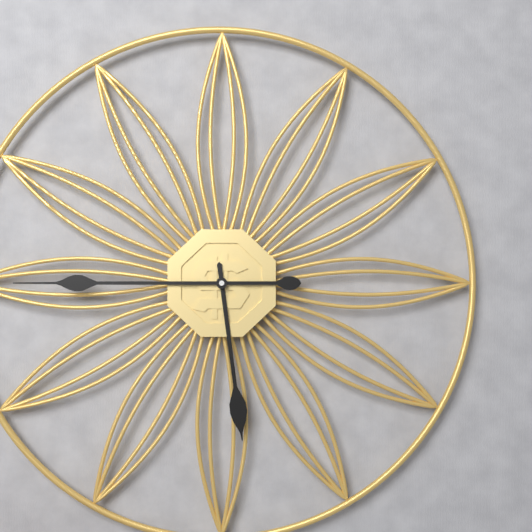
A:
5,45
